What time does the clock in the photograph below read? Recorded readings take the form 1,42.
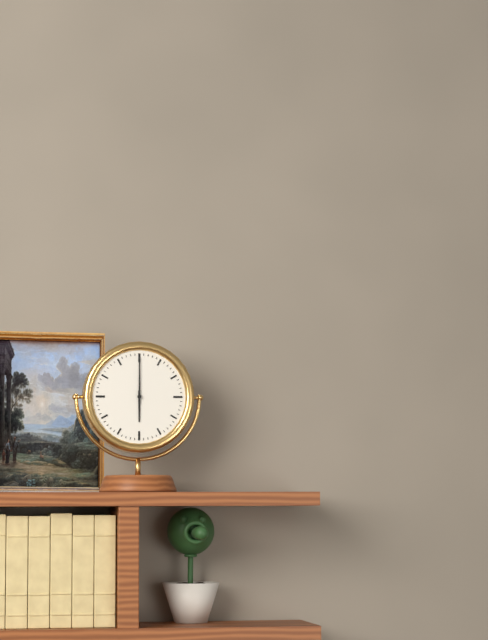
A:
6,00
